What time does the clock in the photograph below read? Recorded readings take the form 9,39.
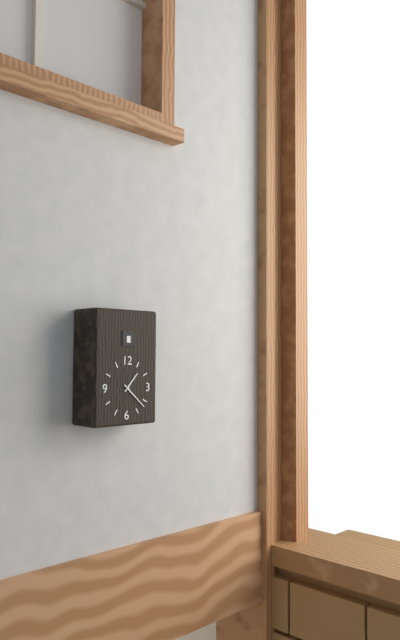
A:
1,22
